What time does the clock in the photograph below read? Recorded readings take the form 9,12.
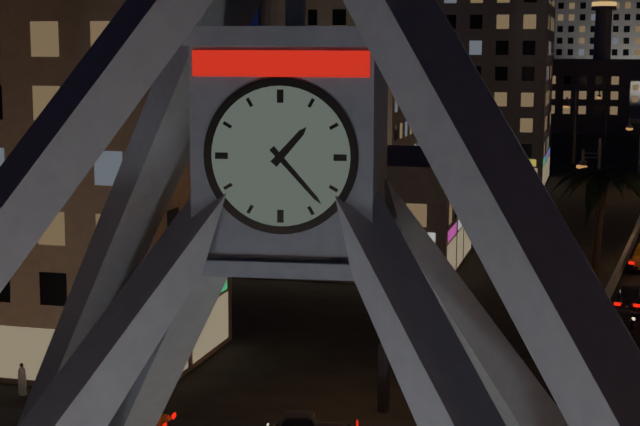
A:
1,23
